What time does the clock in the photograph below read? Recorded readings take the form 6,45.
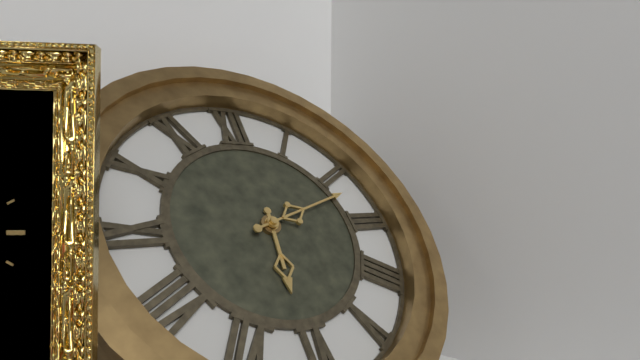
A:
6,12
